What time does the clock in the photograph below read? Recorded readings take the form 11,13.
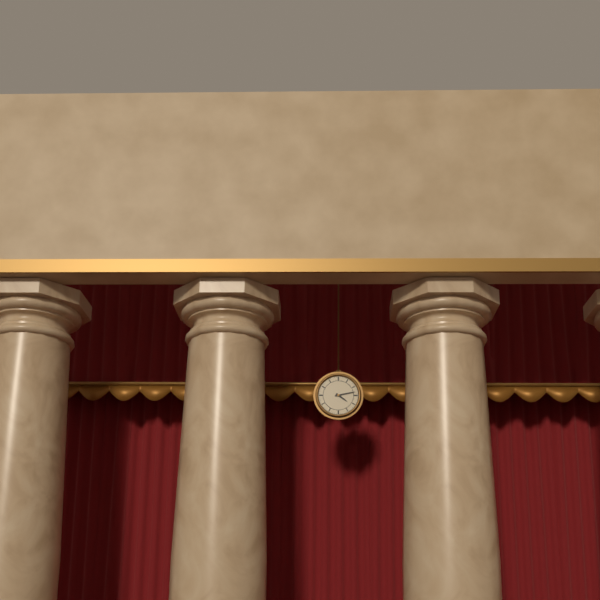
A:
4,13
